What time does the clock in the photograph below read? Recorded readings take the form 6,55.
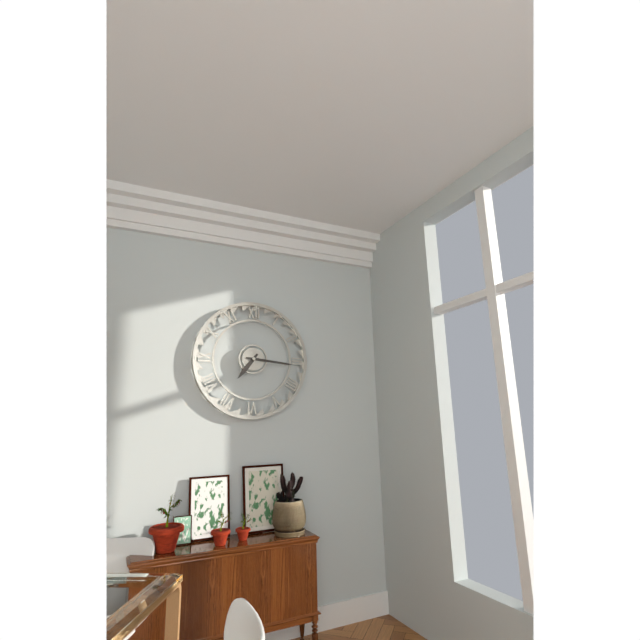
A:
7,16
